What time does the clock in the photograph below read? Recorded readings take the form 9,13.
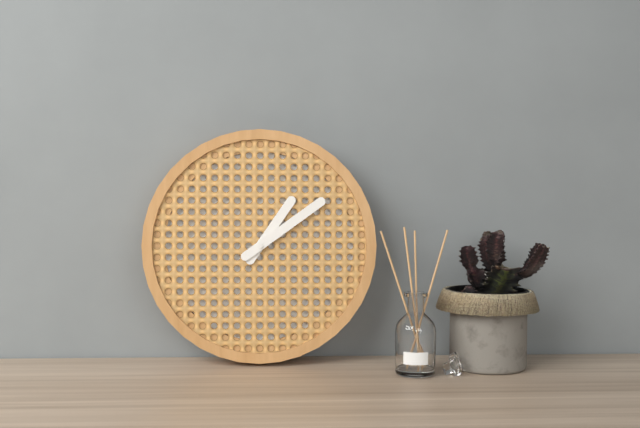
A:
1,09
